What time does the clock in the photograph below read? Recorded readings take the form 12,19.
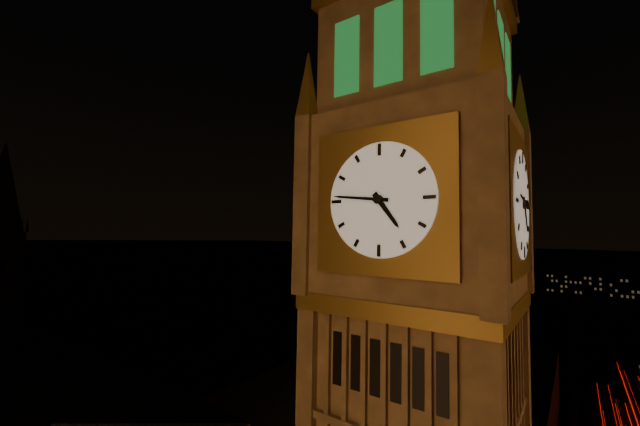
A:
4,46
